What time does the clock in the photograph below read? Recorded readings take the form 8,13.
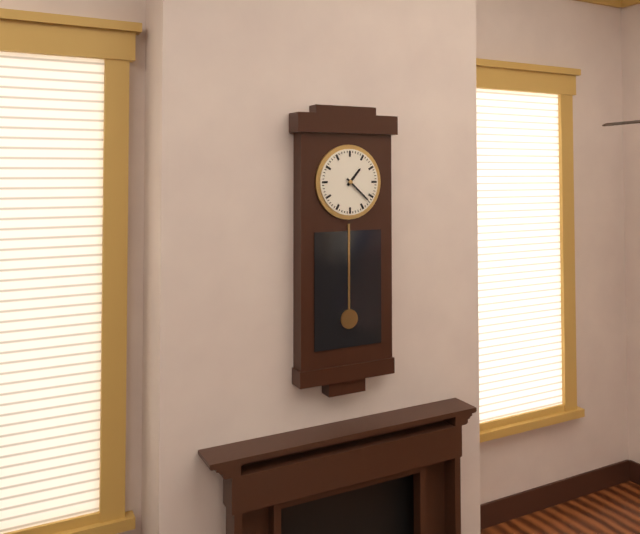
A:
1,22
